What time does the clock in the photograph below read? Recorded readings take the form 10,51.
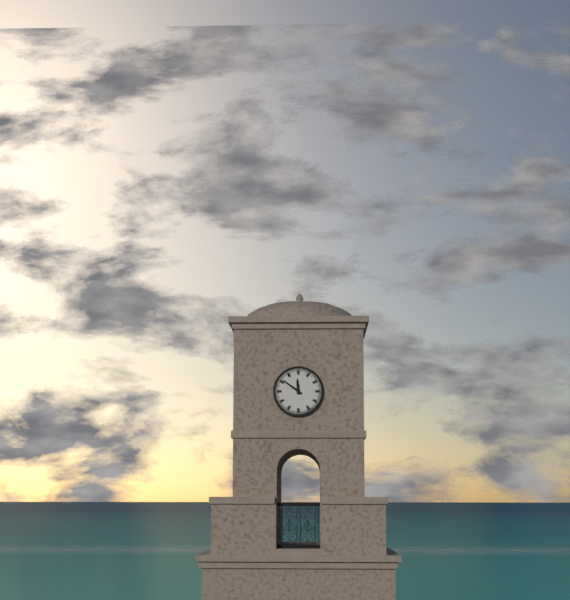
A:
11,51
